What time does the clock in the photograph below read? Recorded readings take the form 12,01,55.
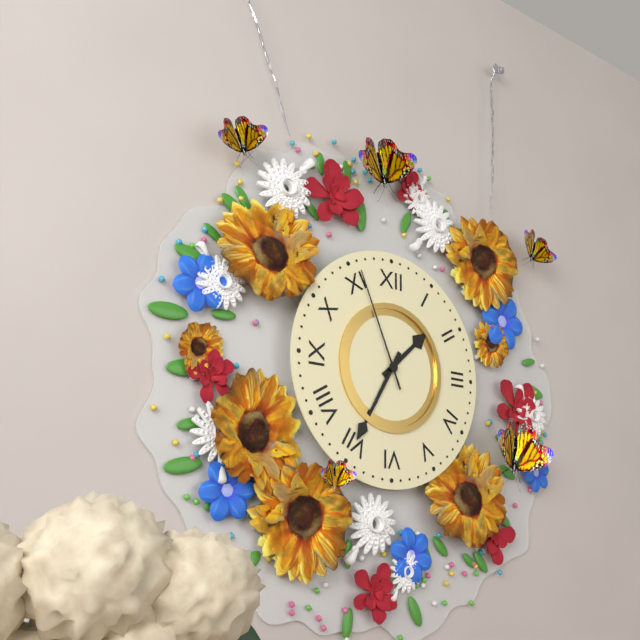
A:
1,35,56
